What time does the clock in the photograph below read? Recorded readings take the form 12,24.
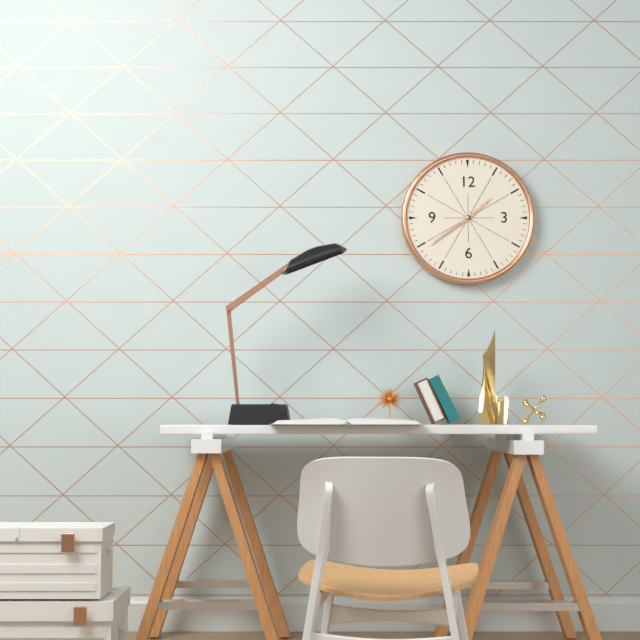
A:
1,39
